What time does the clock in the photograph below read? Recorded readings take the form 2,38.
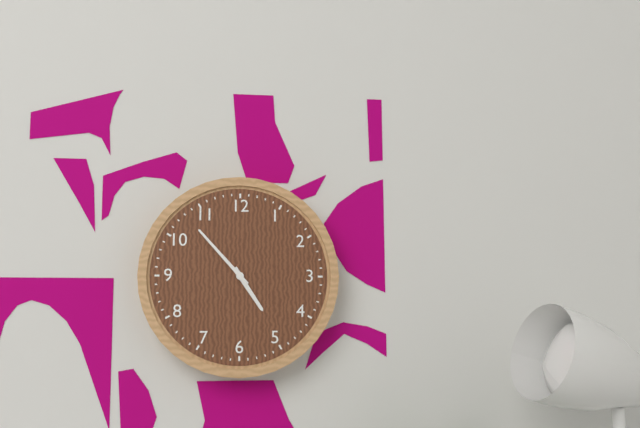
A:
4,53
